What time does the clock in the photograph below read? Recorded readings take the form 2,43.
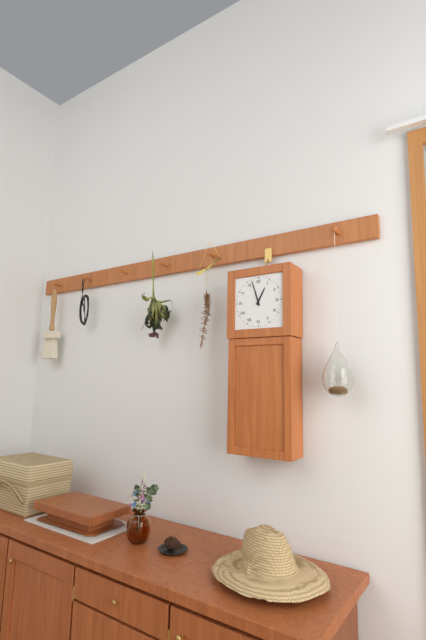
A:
12,57
